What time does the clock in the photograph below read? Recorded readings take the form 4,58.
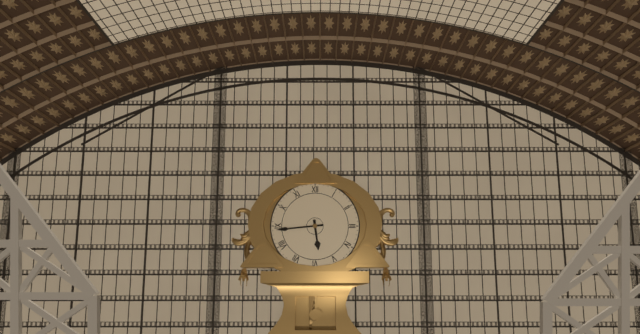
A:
5,44
